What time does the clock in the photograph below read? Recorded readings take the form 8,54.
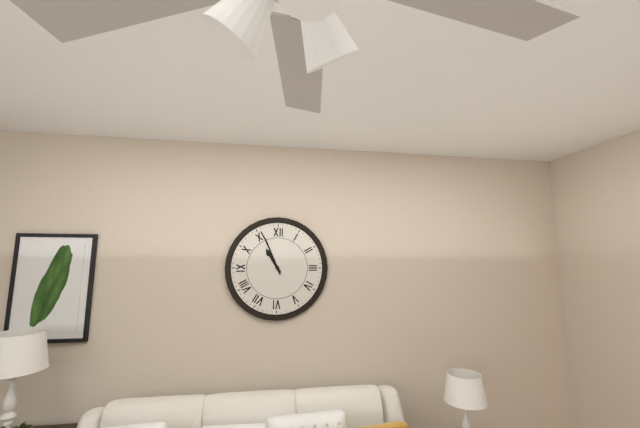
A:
10,56
